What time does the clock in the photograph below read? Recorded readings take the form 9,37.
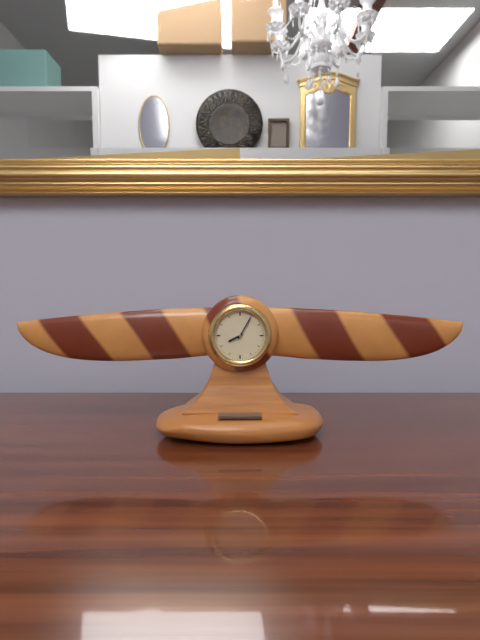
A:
8,05
